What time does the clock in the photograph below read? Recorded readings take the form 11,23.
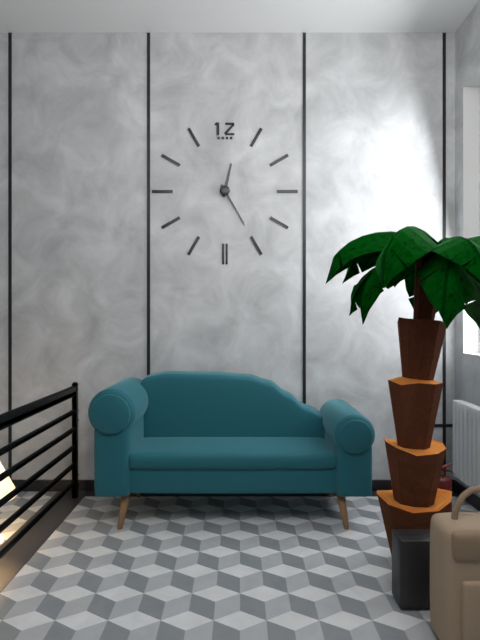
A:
12,25
